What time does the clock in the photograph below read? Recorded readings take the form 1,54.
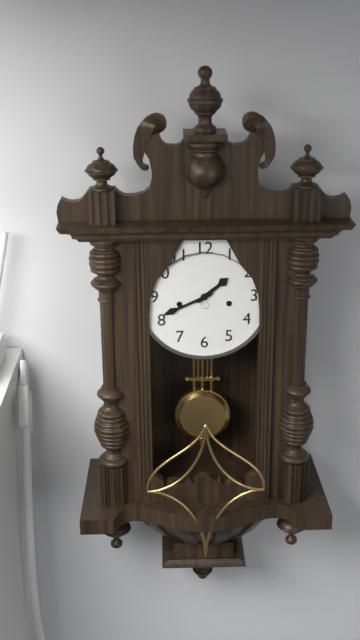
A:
1,41
